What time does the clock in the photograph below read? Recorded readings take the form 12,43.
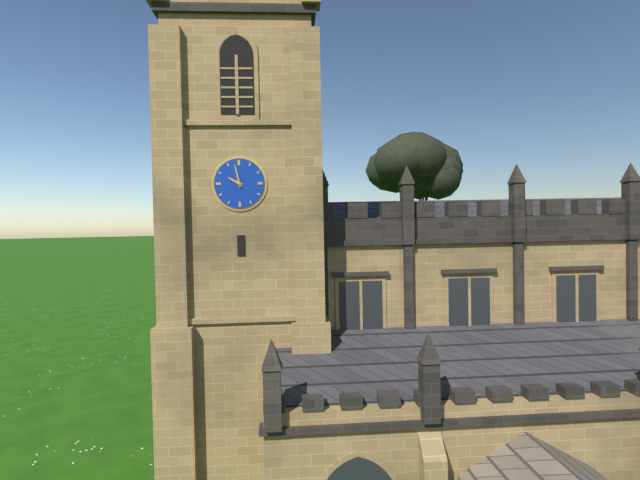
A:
9,58
